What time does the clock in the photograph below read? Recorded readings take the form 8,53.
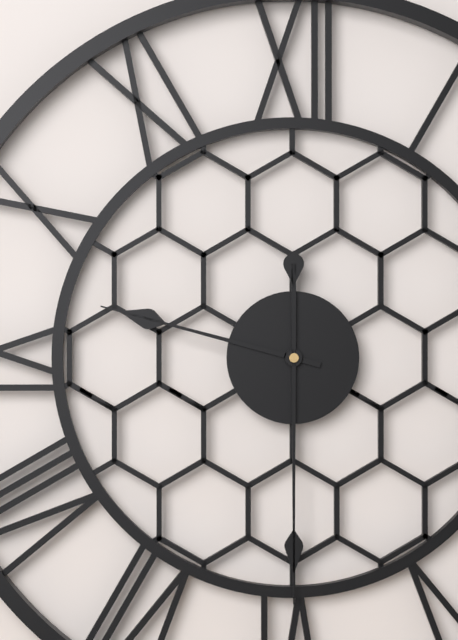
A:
9,30
